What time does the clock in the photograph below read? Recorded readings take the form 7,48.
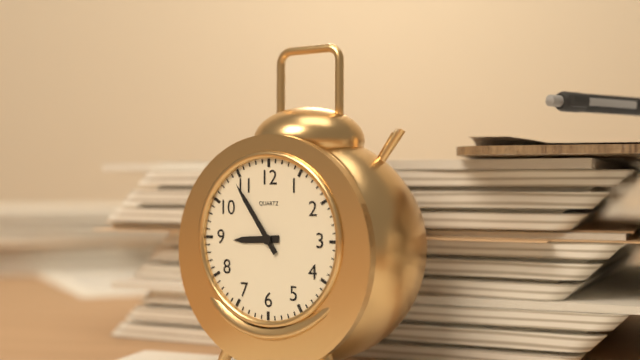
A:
8,54
